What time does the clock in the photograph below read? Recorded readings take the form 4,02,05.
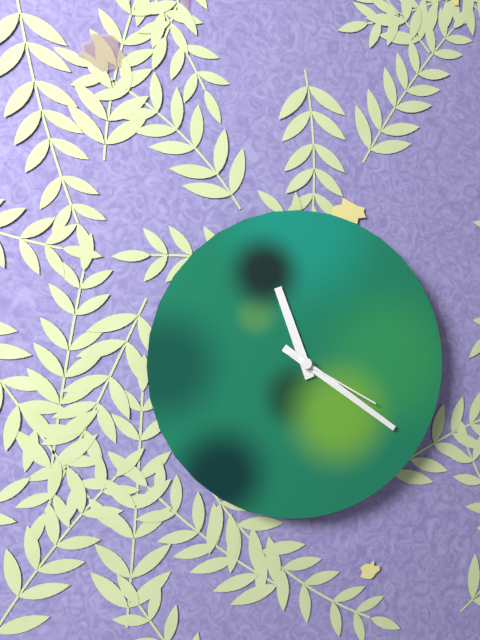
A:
11,21,20
